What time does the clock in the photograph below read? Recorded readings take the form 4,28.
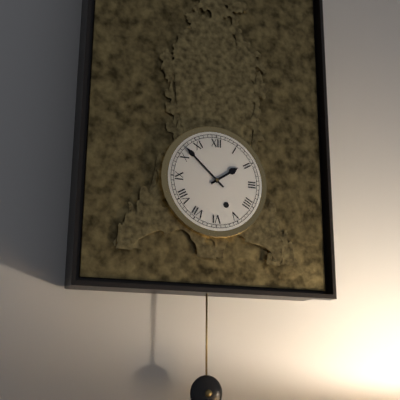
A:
1,52
